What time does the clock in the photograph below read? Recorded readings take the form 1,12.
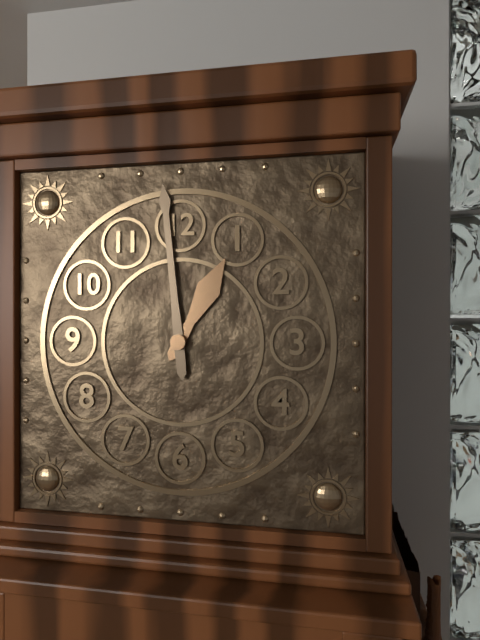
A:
12,59
